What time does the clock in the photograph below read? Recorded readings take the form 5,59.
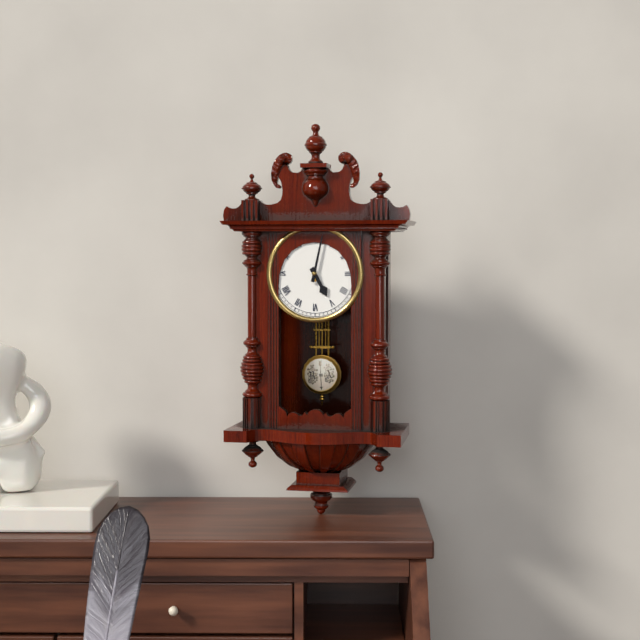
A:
5,02
